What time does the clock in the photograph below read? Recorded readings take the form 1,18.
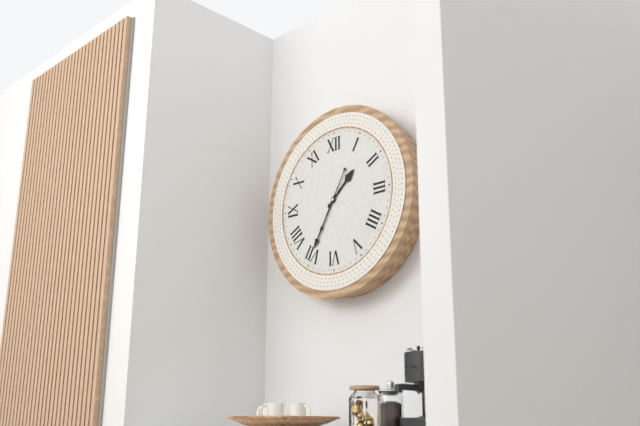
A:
1,35
